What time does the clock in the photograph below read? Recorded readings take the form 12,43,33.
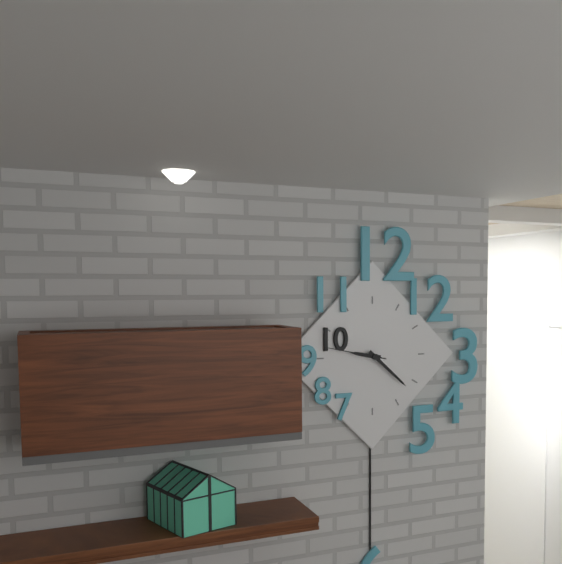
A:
9,22,47
